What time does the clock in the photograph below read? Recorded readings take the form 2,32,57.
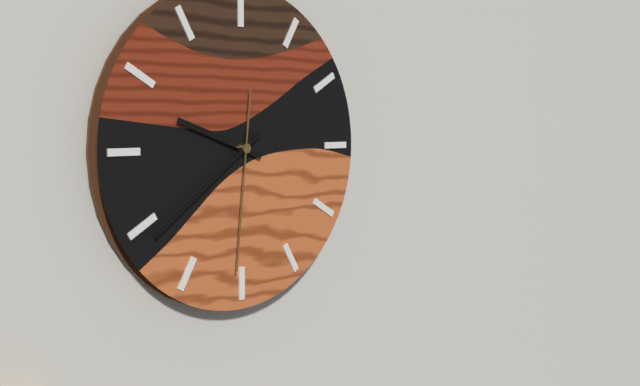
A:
9,39,31
